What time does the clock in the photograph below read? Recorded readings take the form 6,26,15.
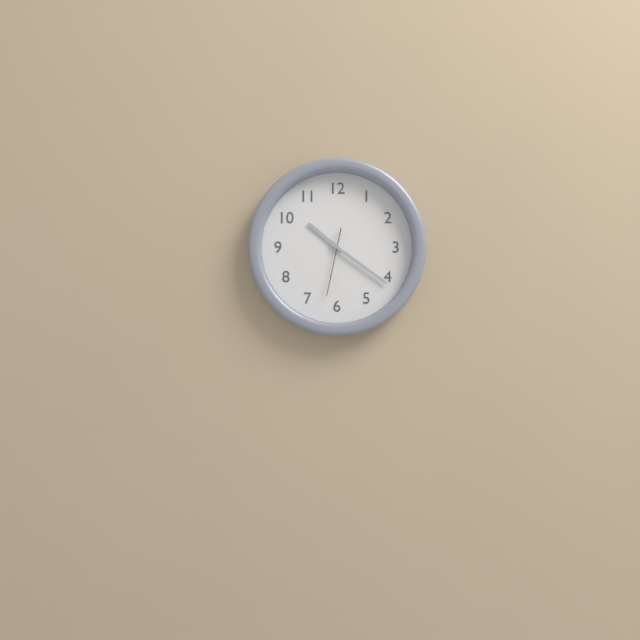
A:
10,21,32
